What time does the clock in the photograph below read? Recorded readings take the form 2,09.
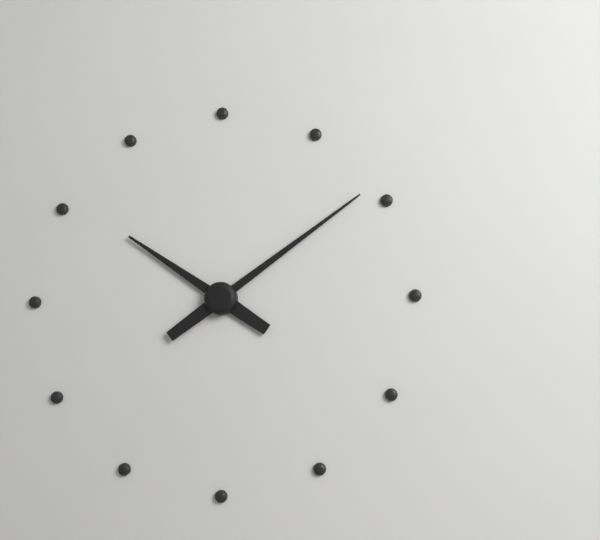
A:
10,09
